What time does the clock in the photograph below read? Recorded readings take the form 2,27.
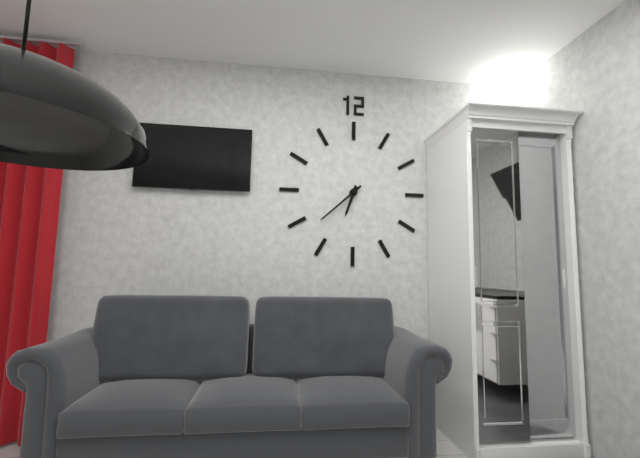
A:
6,38
